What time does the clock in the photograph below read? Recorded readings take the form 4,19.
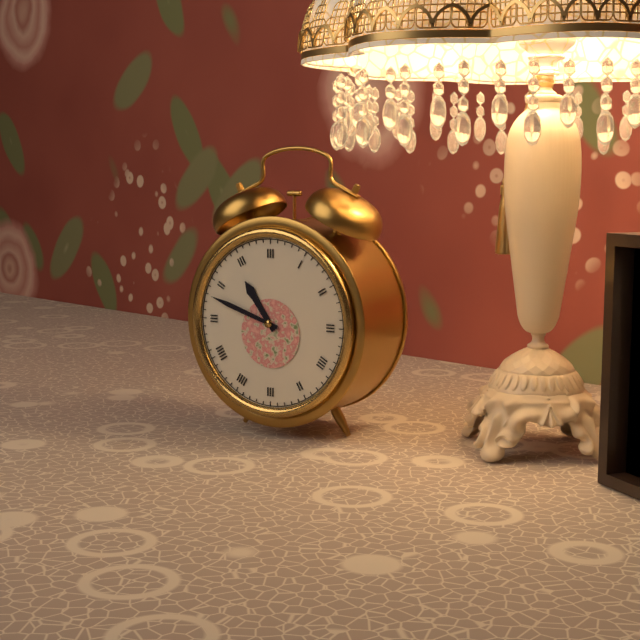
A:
10,48
